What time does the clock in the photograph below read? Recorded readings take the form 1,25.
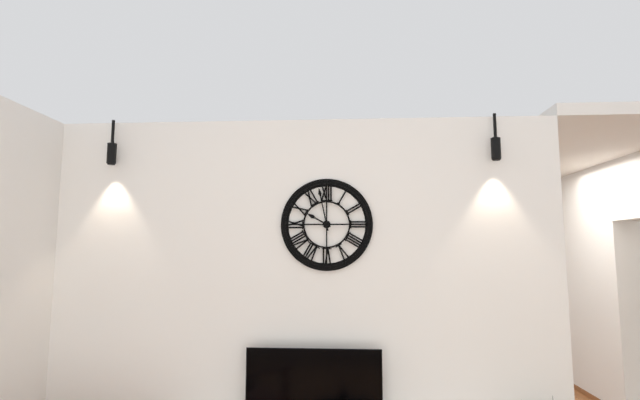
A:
9,58
